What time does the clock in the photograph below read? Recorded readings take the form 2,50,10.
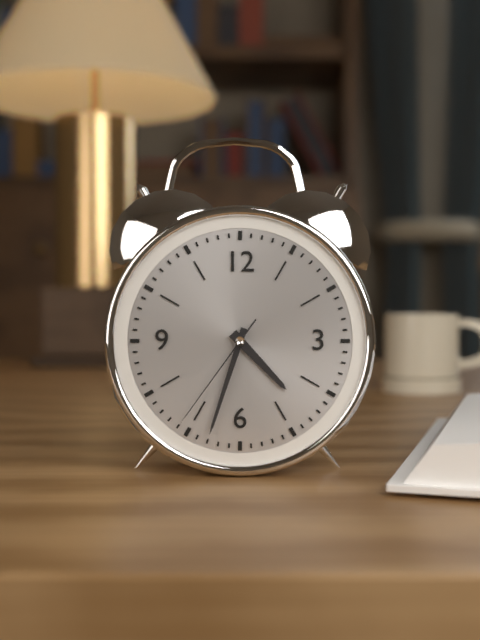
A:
4,33,36
